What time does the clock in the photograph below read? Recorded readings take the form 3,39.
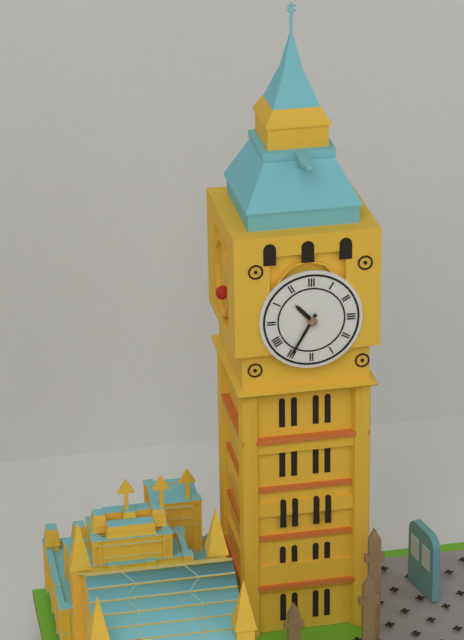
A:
10,35
